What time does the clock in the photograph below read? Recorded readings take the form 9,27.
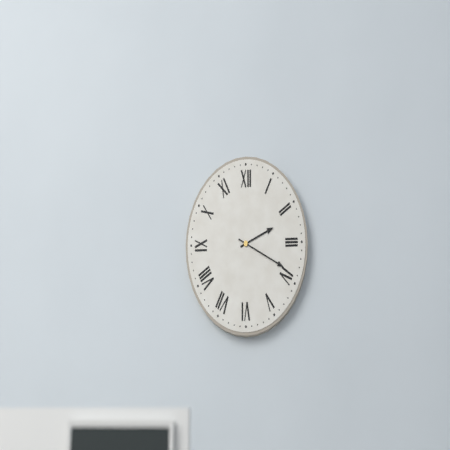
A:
2,19
